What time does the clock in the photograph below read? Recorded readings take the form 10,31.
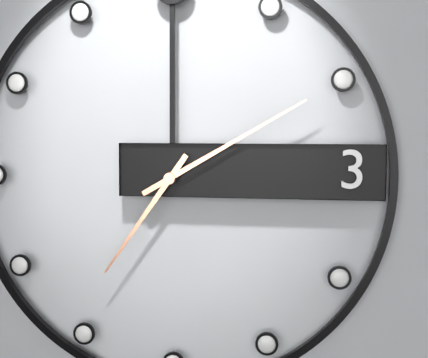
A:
7,10
